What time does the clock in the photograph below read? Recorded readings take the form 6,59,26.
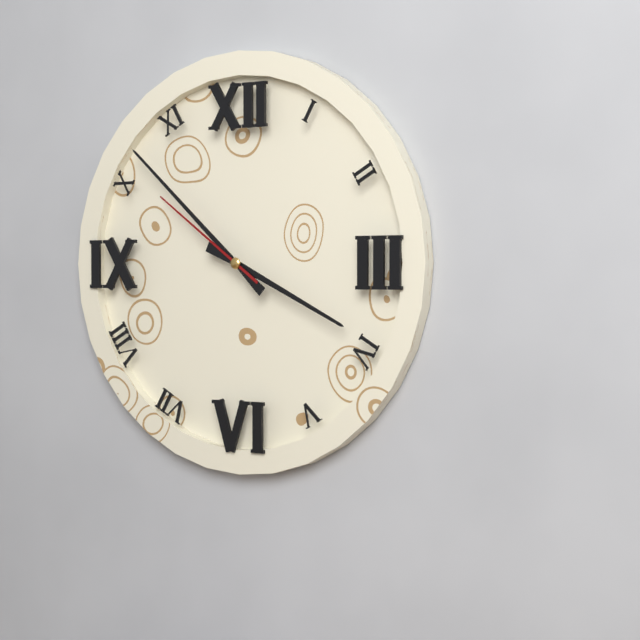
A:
3,52,51
